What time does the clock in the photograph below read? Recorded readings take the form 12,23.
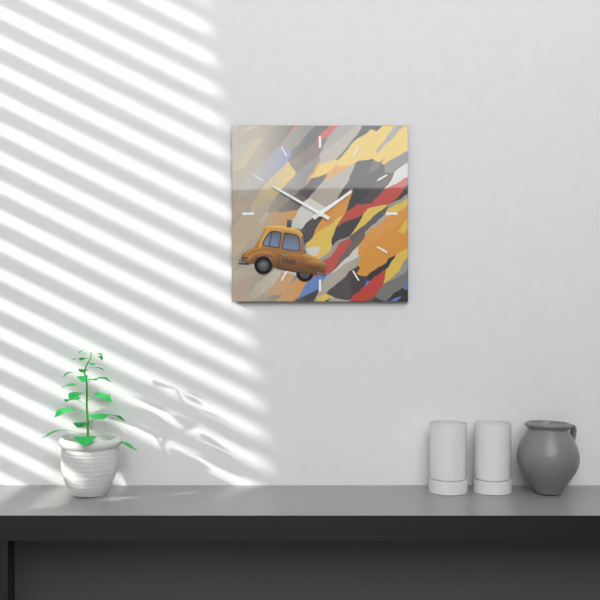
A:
1,50
